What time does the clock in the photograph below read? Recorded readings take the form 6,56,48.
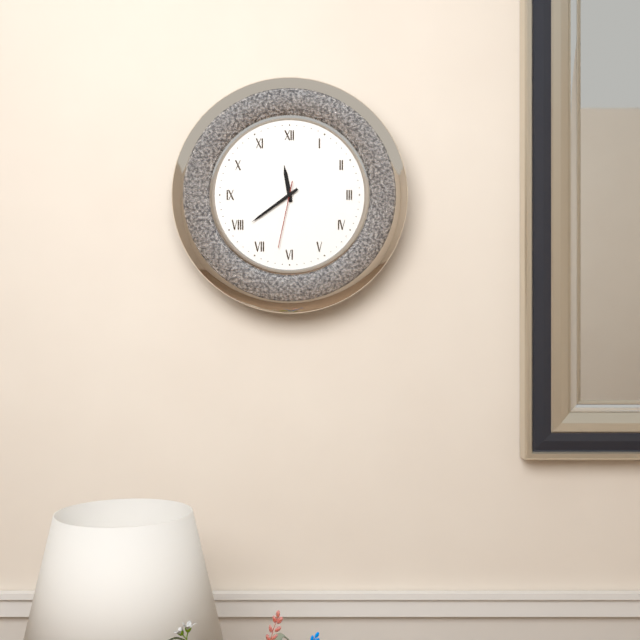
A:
11,39,32
